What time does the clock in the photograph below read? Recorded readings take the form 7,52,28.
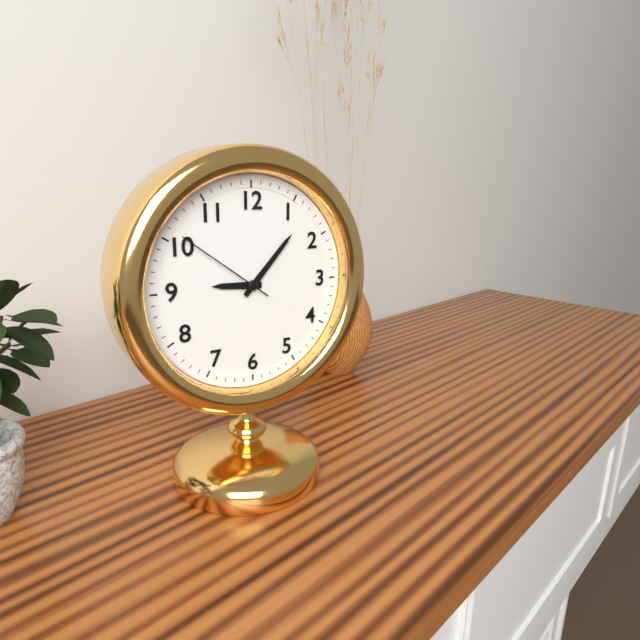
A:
9,07,51
